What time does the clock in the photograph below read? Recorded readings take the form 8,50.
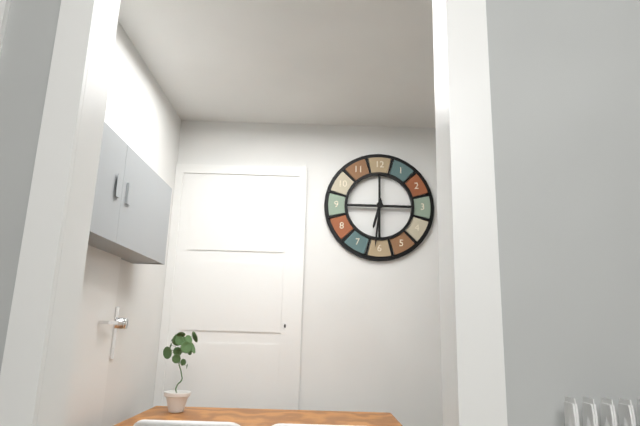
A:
6,31
